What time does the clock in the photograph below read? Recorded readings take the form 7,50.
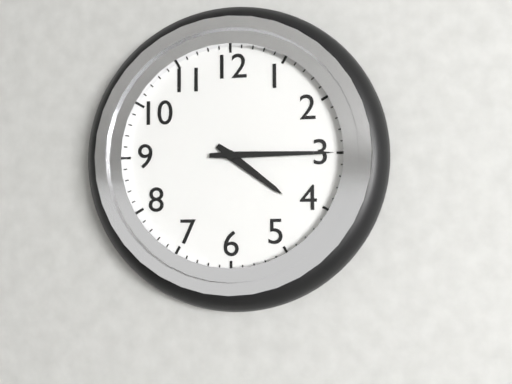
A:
4,15
